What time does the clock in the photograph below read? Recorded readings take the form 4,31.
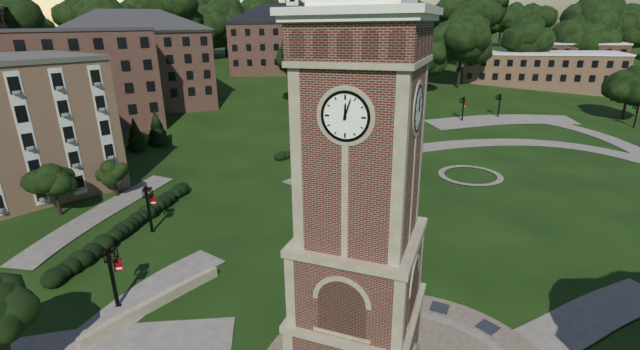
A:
12,03
